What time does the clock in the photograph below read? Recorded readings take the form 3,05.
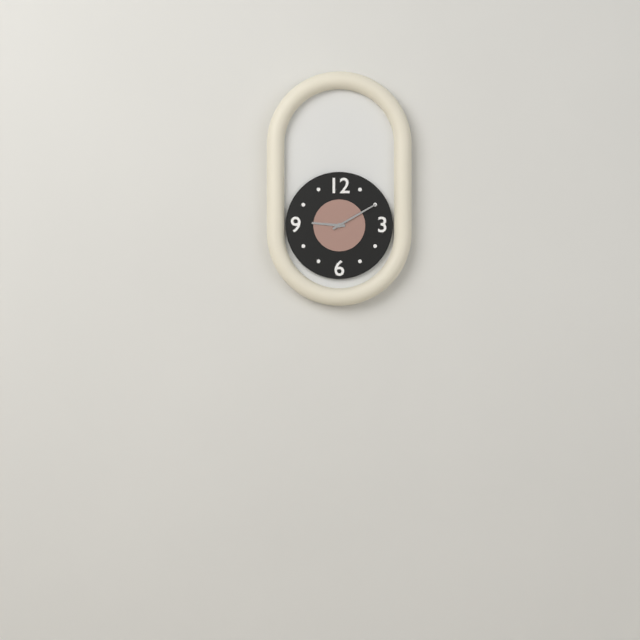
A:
9,10
